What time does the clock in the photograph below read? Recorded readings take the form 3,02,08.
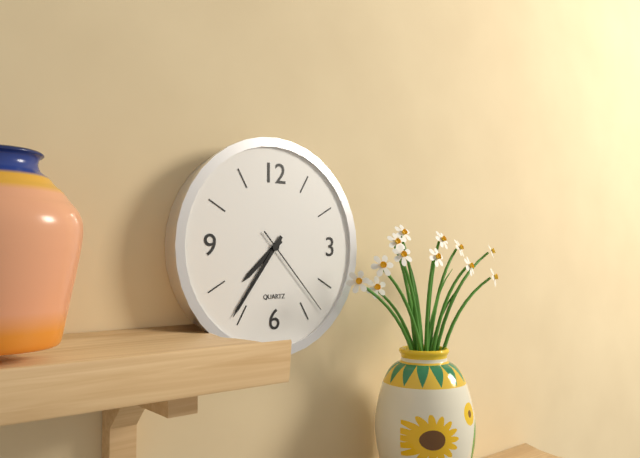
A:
7,36,23
